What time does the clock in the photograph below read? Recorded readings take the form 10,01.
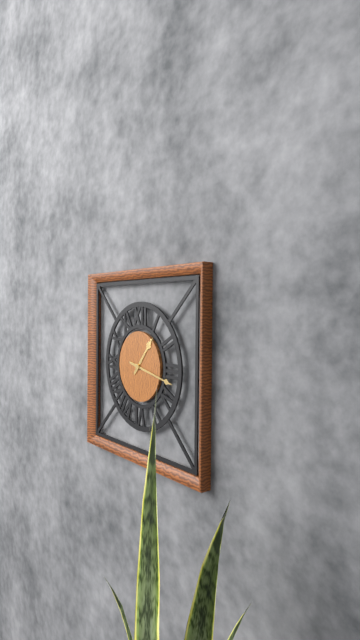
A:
1,17
